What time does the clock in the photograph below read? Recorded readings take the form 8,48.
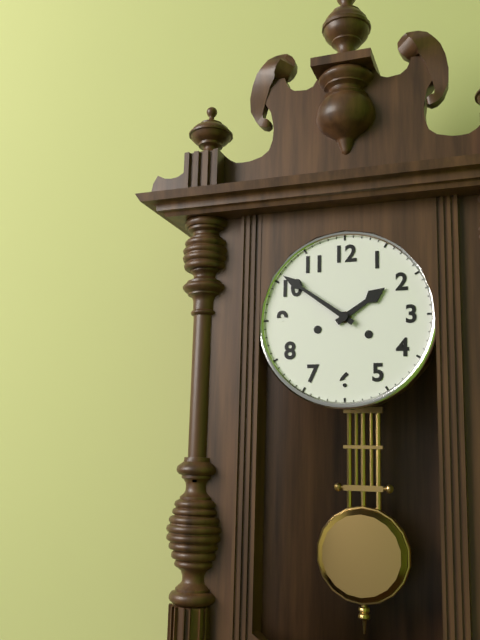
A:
1,51
